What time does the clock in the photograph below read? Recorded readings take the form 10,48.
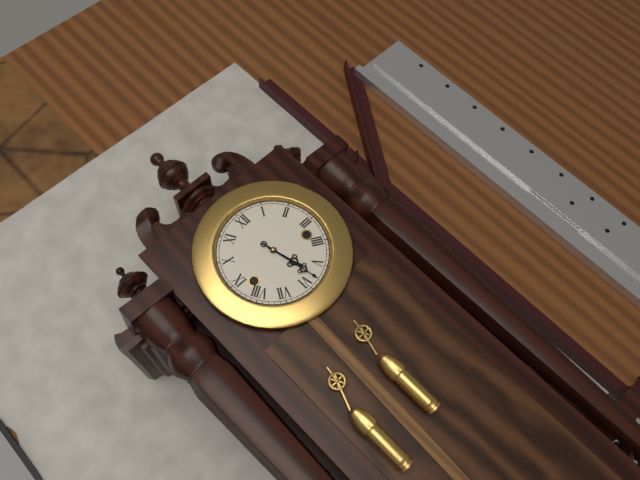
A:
5,28
